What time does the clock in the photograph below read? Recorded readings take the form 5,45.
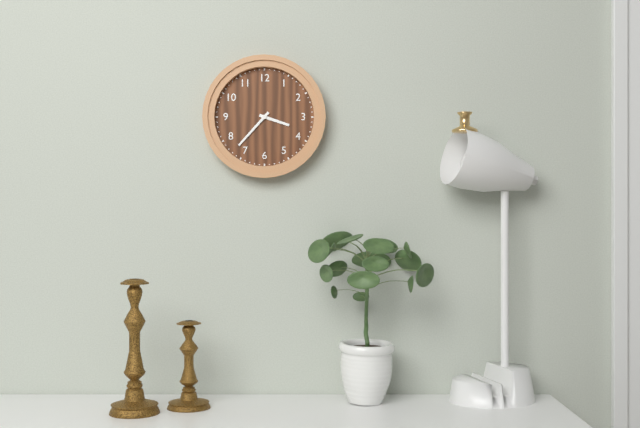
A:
3,37
